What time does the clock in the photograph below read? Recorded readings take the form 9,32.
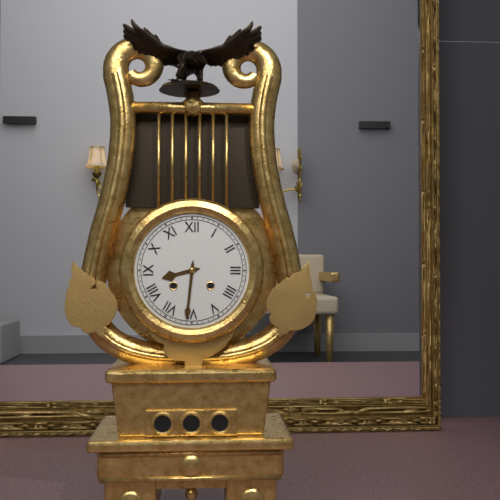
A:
8,31
